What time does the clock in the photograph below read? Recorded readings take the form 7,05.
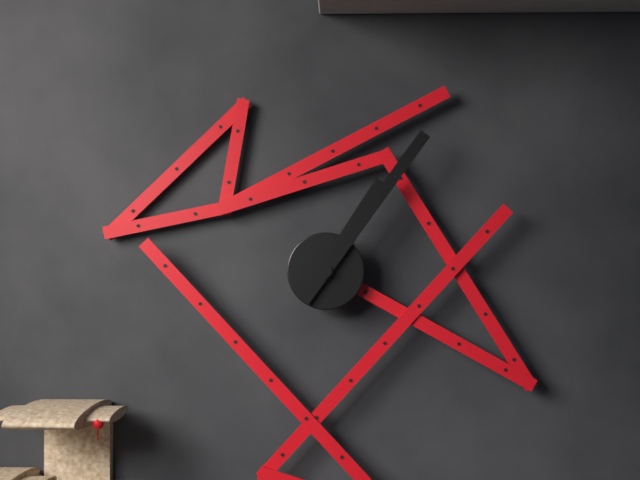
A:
1,06
